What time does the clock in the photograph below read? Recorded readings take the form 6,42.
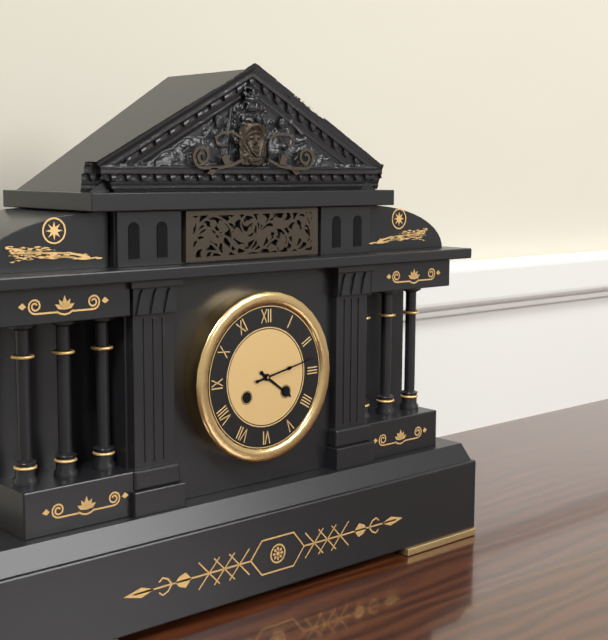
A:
4,13
